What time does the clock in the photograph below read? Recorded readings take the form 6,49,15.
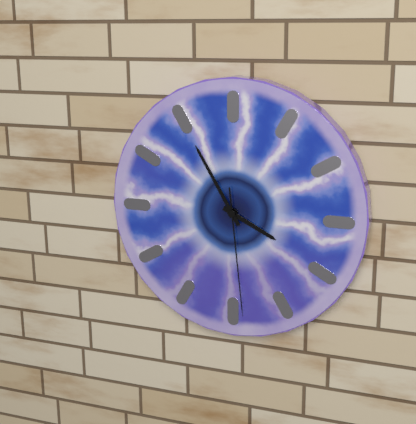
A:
3,55,29
